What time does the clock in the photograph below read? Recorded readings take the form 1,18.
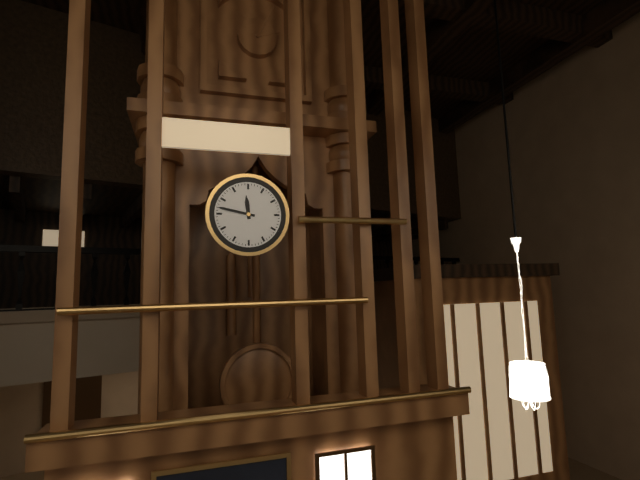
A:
11,47
